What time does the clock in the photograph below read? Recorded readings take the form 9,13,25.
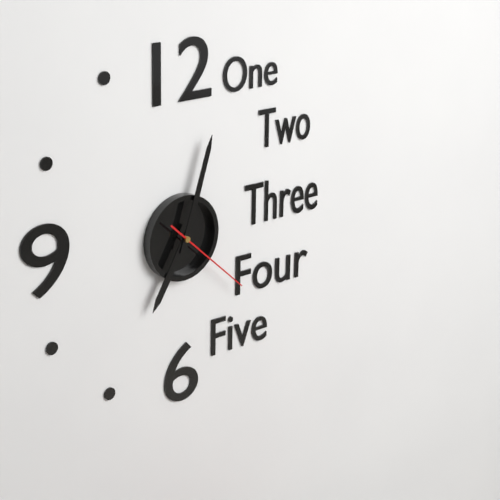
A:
7,03,22
